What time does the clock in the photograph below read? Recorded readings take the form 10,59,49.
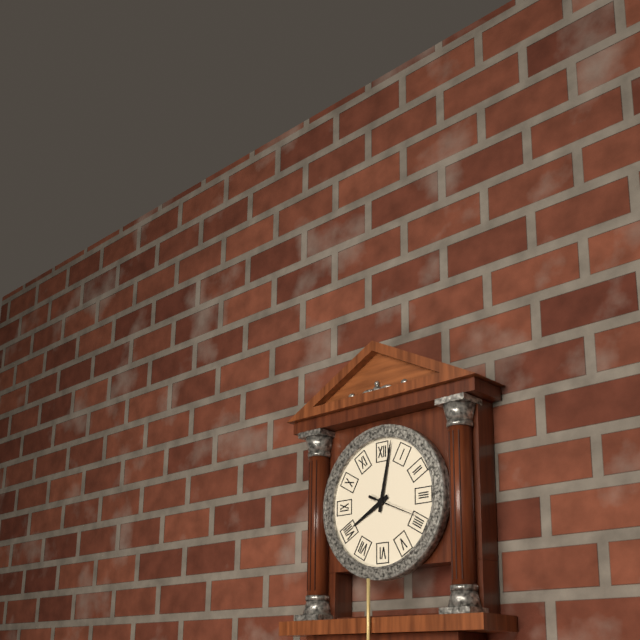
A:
8,02,19
